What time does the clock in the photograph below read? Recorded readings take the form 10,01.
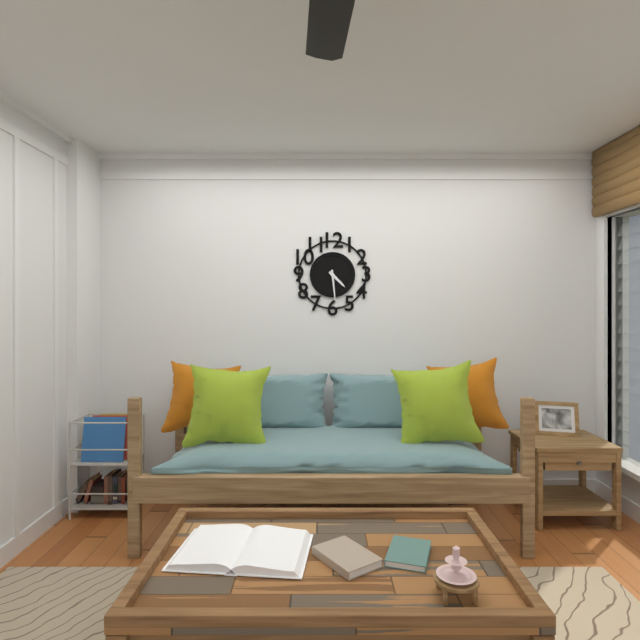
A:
4,29
